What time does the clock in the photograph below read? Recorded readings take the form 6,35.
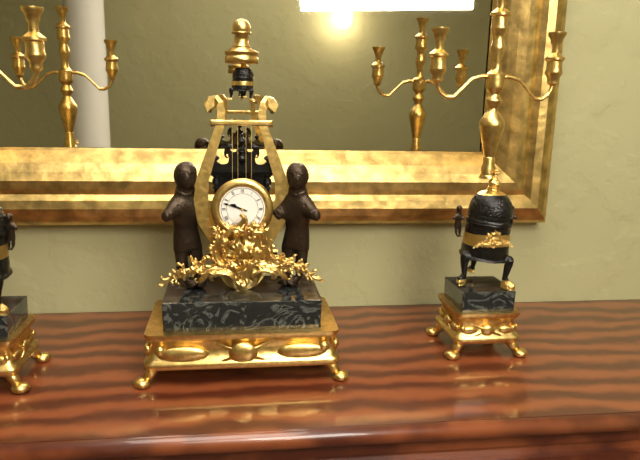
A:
9,48
